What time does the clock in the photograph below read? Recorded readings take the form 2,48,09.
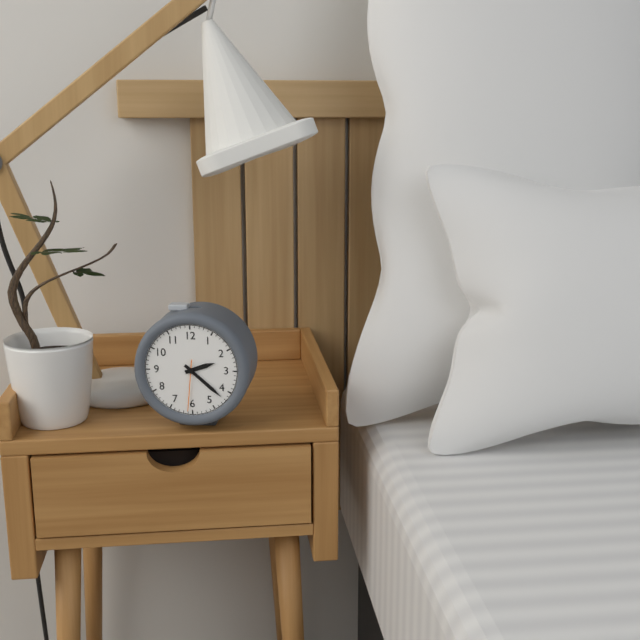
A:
2,22,31
